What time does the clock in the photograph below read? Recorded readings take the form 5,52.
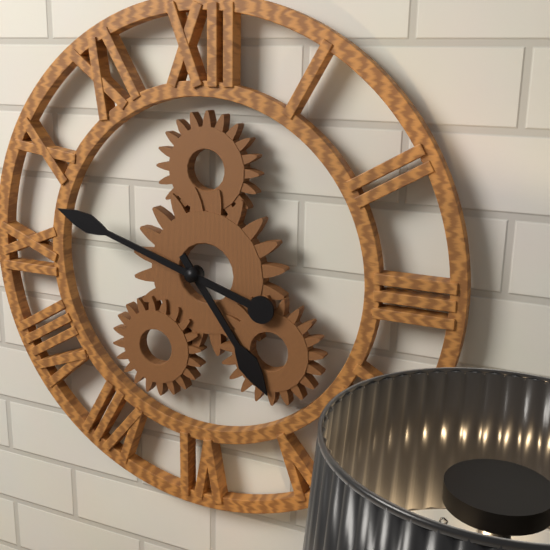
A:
4,48
